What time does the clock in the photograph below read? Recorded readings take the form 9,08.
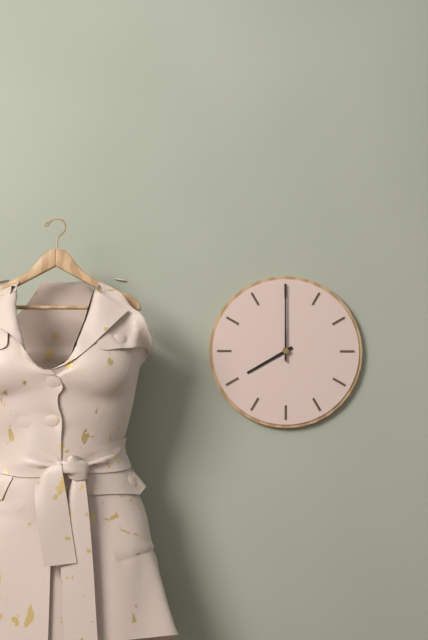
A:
8,00
